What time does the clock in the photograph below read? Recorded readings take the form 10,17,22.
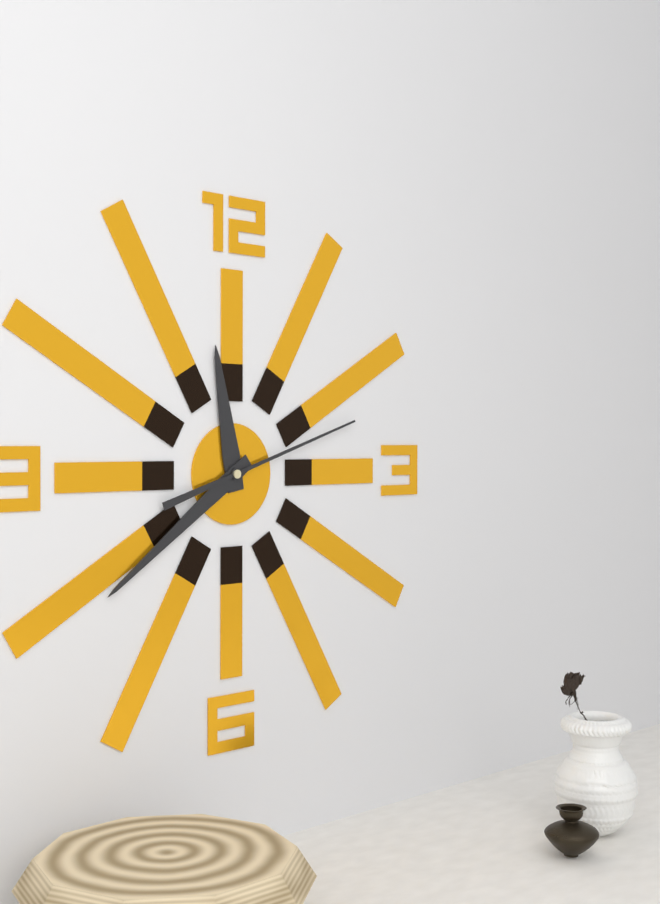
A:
11,39,12
